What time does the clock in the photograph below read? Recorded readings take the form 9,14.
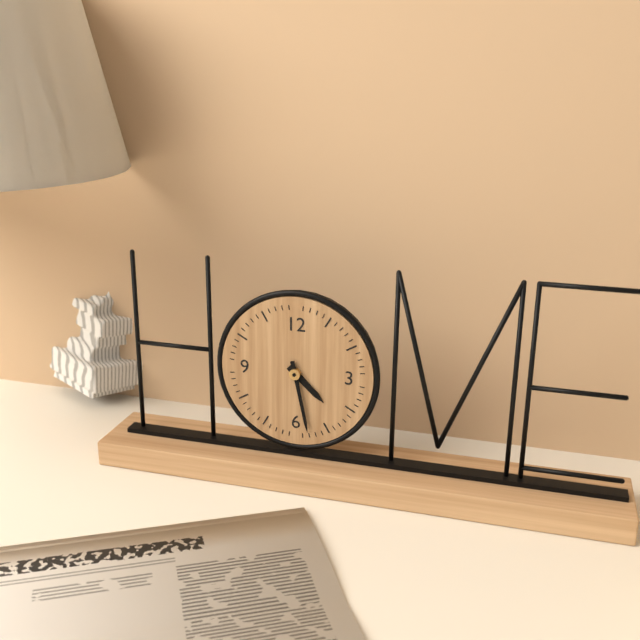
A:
4,28
